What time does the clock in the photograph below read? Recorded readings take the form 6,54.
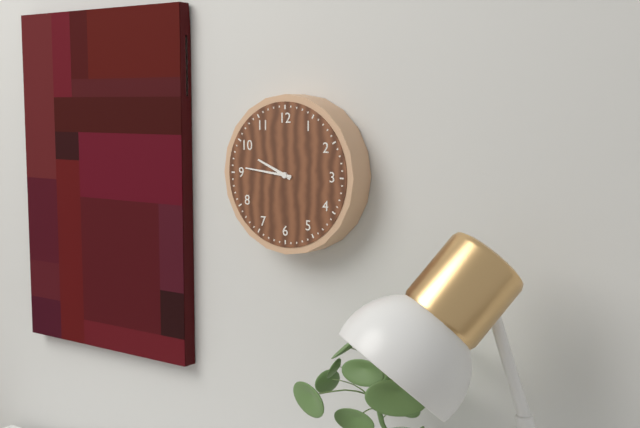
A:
9,46
